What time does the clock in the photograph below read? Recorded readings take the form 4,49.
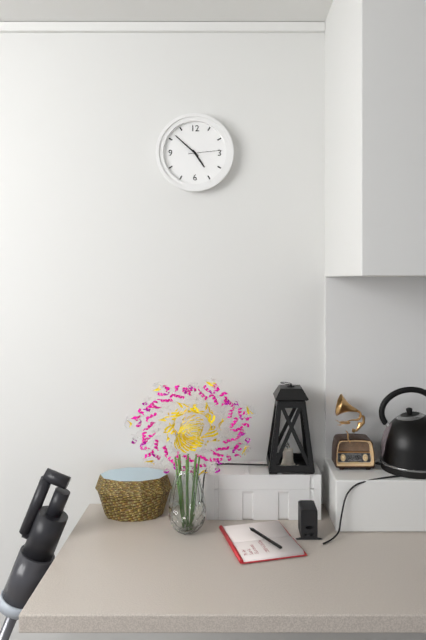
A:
4,52
